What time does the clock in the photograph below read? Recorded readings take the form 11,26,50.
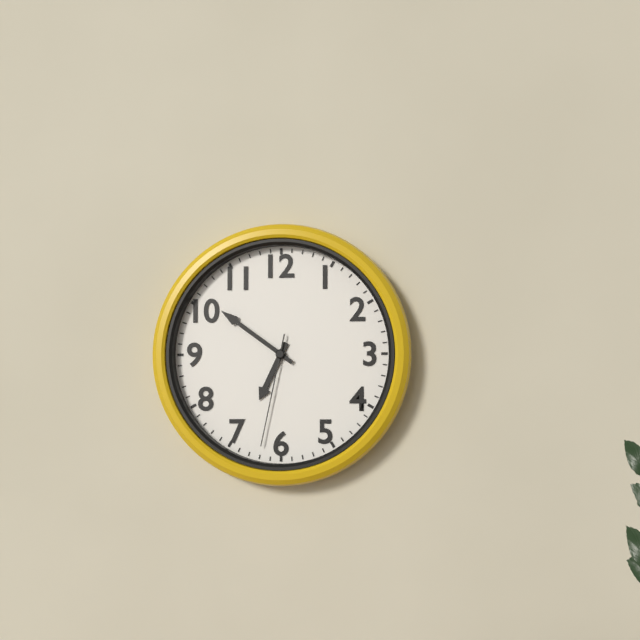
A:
6,51,32
